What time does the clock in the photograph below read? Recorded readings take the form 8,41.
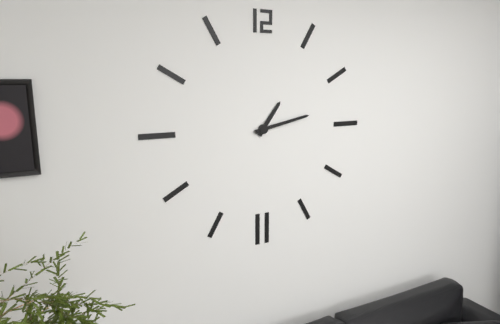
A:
1,13
